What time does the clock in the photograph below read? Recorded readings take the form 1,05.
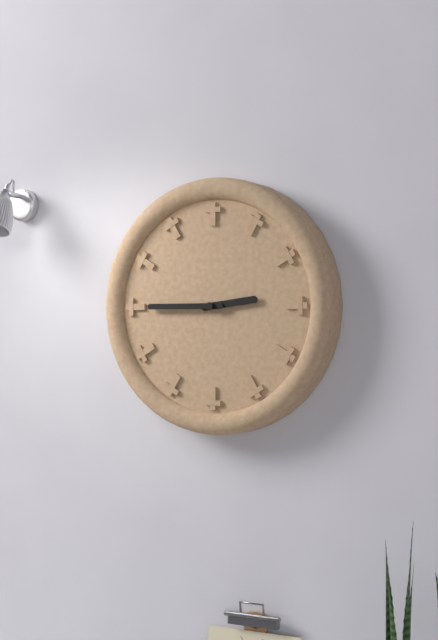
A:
2,45
